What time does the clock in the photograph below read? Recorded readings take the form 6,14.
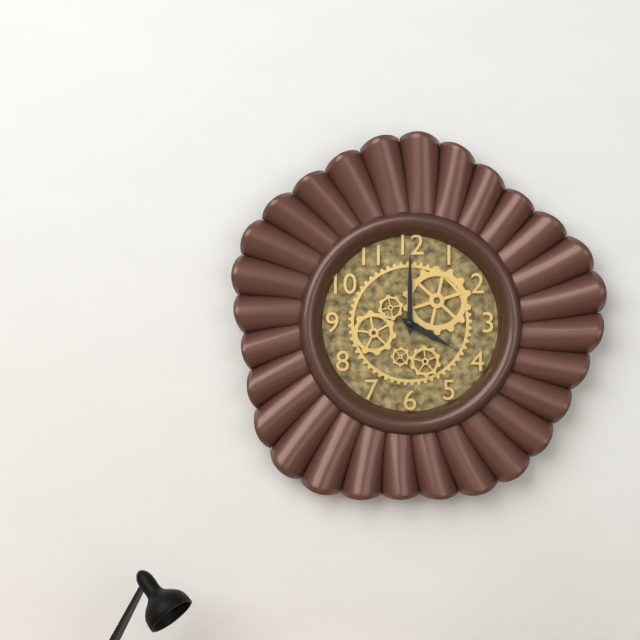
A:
4,00
